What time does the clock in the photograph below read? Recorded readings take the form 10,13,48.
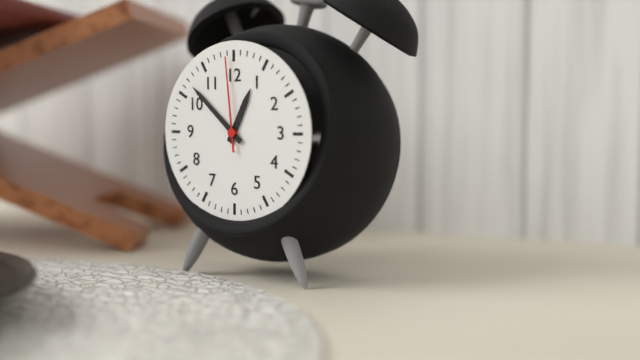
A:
12,52,59
